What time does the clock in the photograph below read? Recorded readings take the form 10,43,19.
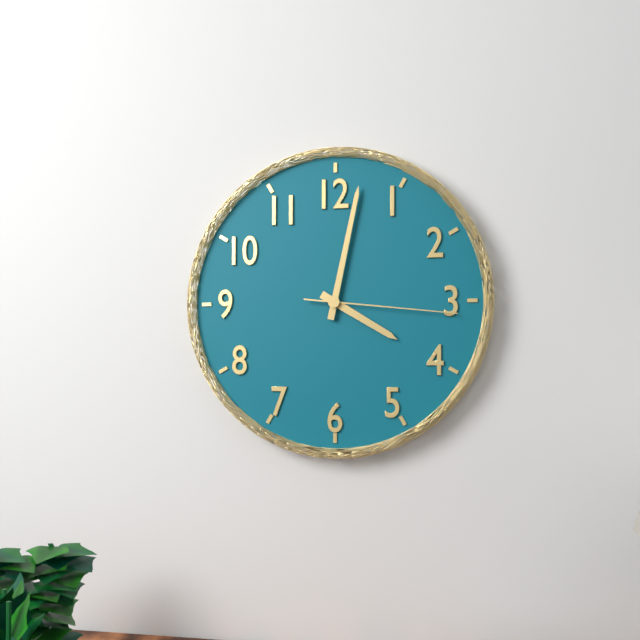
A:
4,02,16
